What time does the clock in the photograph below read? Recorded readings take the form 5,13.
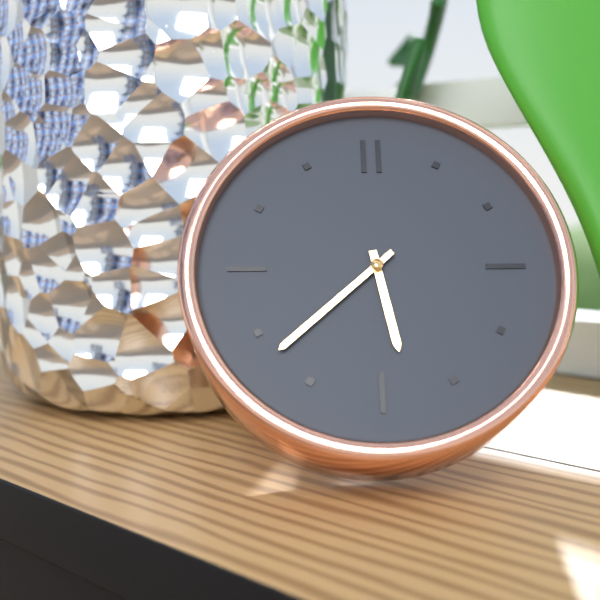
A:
5,38
